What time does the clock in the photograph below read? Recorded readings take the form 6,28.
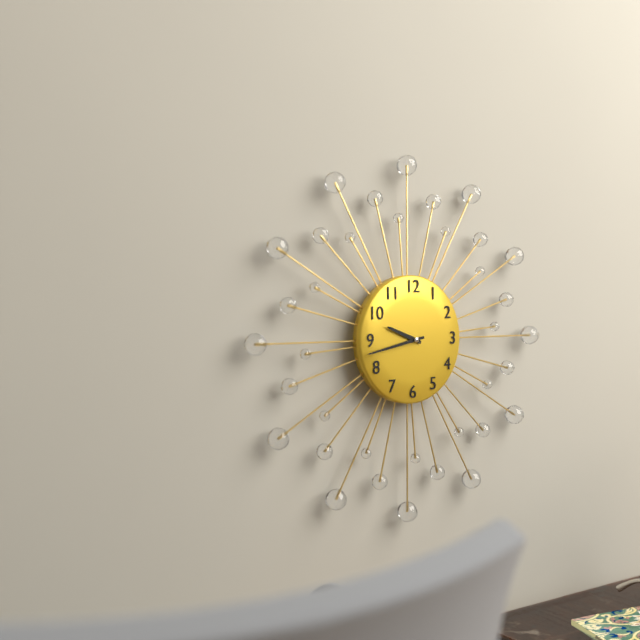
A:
9,43
